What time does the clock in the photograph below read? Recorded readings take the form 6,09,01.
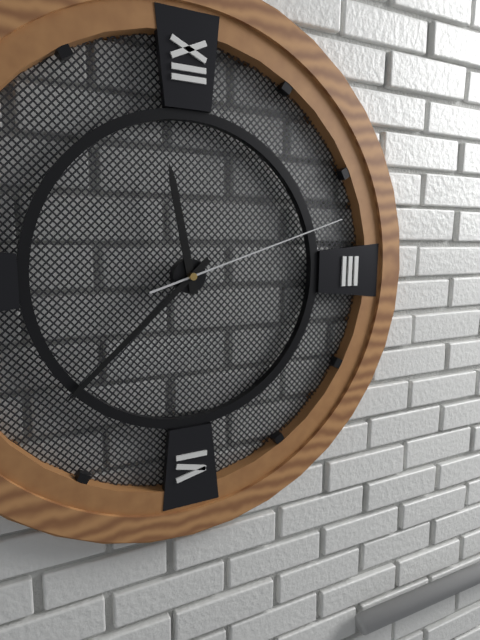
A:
11,38,12
